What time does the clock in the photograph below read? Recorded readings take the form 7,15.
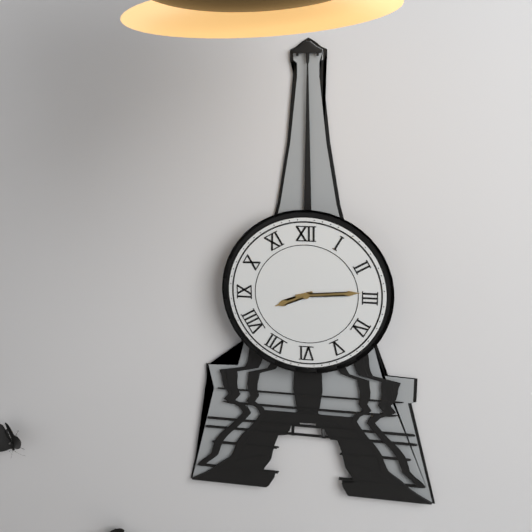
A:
8,14
